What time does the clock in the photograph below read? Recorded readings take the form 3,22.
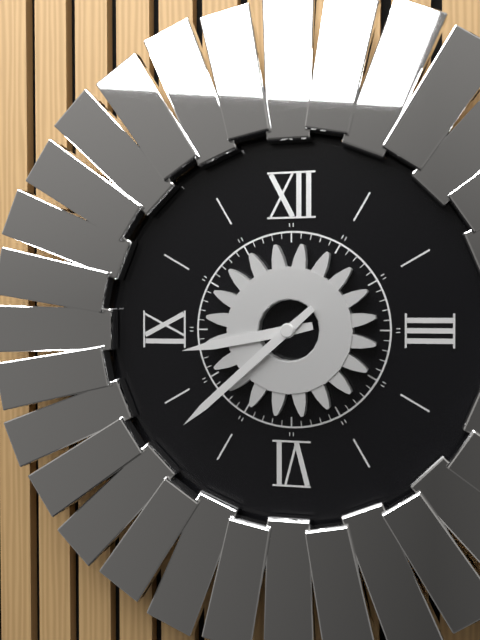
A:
8,38
